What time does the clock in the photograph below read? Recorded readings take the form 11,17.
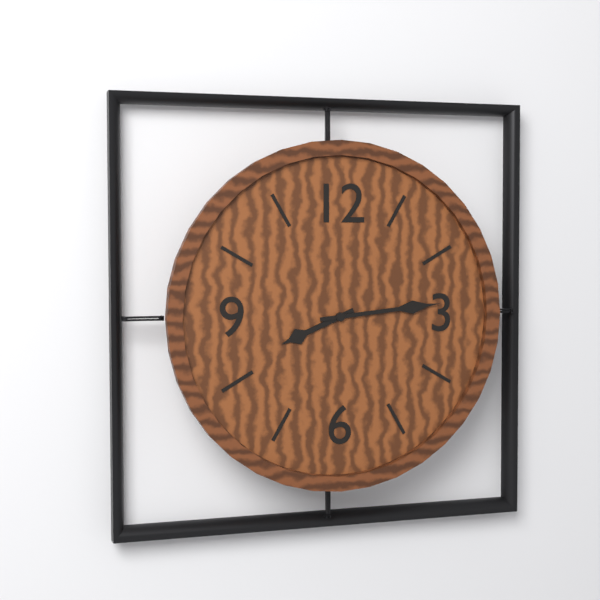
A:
8,14
